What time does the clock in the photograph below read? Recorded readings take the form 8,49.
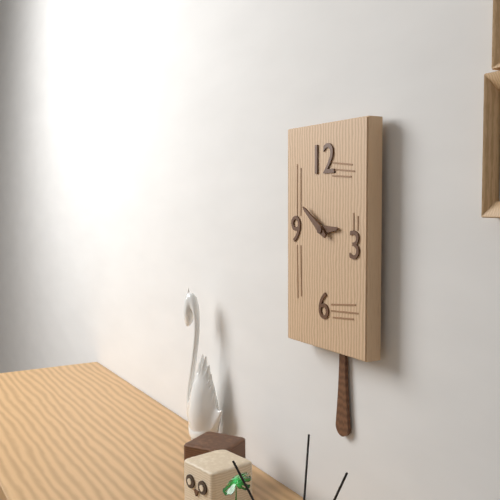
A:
2,51
